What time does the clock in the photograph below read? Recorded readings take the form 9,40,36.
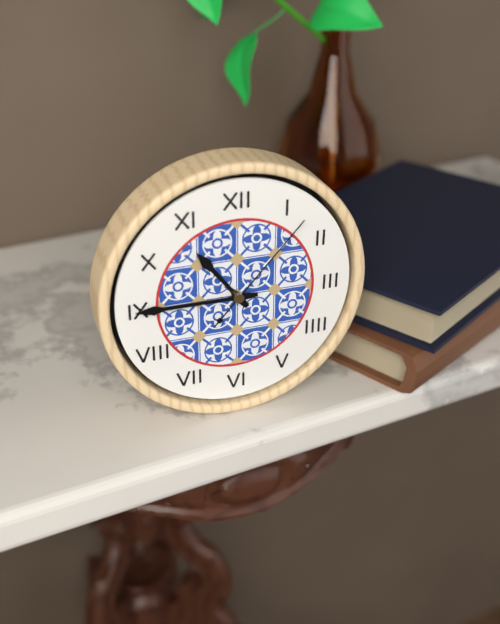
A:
10,45,07
